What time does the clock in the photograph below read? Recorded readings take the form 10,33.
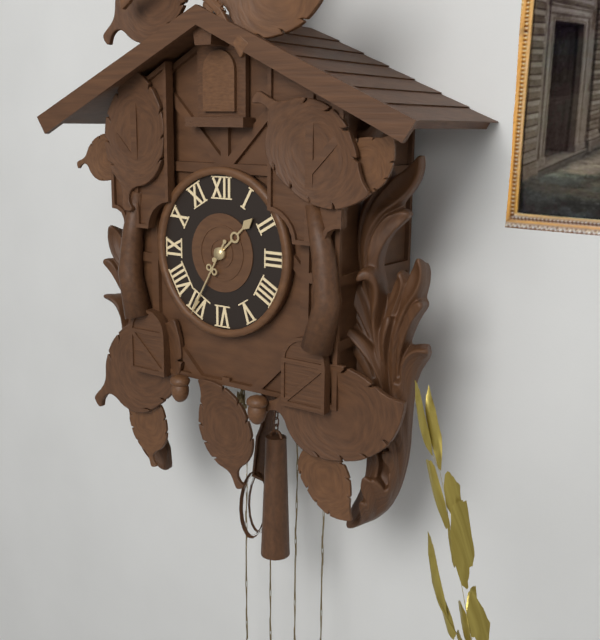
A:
1,35
